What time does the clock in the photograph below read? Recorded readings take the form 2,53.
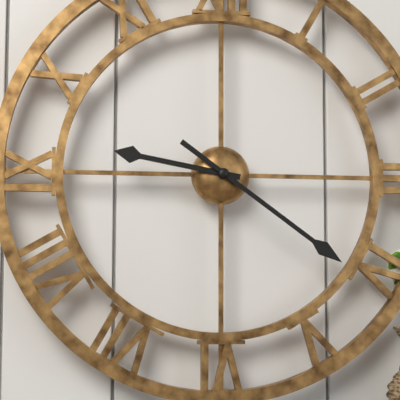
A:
9,21
